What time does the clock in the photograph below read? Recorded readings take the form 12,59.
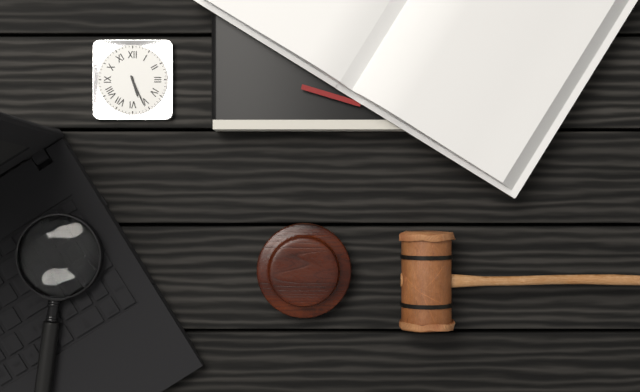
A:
5,26
